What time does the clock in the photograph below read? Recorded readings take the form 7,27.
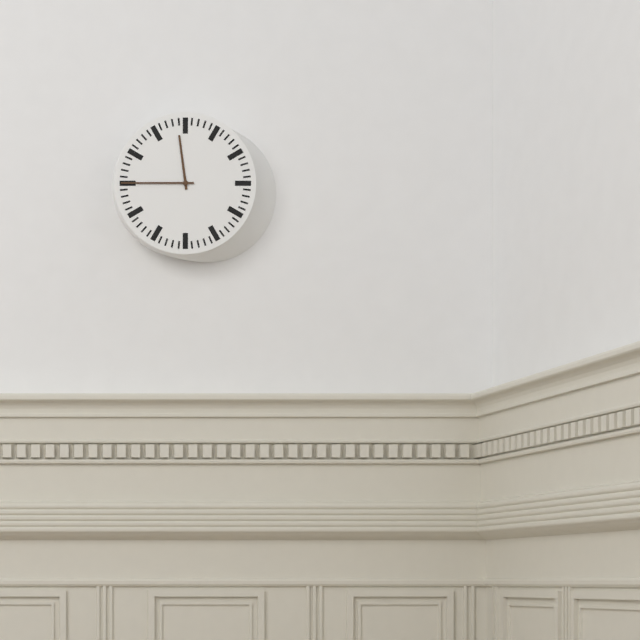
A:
11,45
